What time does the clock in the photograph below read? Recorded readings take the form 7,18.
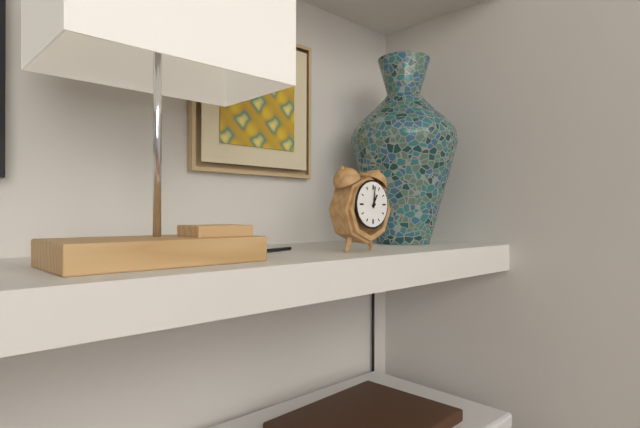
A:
1,01
